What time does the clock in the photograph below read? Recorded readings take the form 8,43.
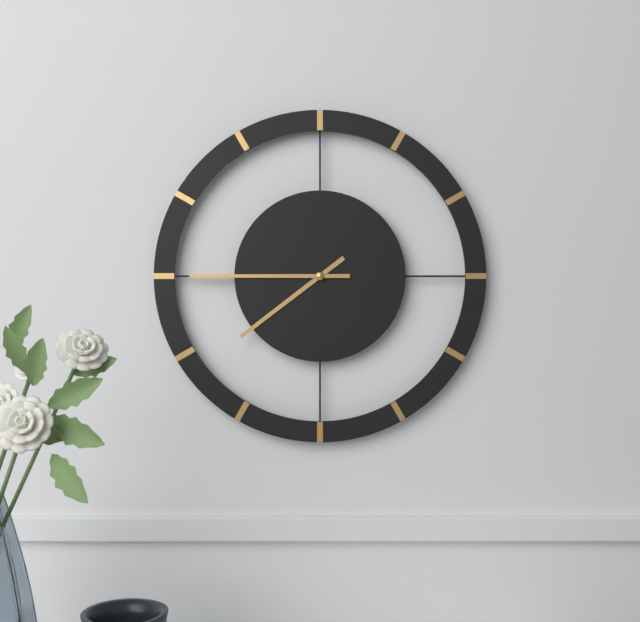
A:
7,45
